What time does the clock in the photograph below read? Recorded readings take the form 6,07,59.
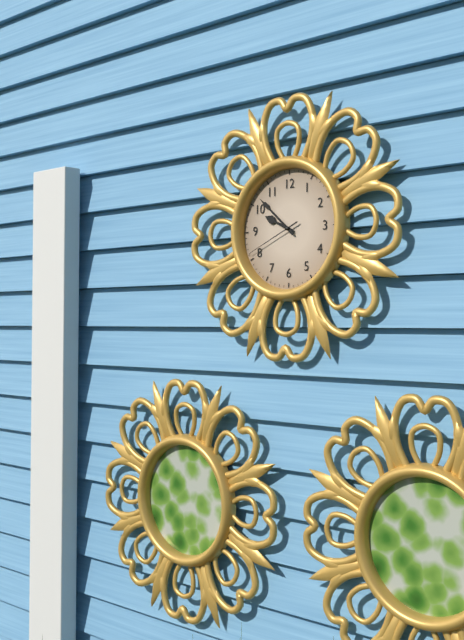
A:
9,52,41
